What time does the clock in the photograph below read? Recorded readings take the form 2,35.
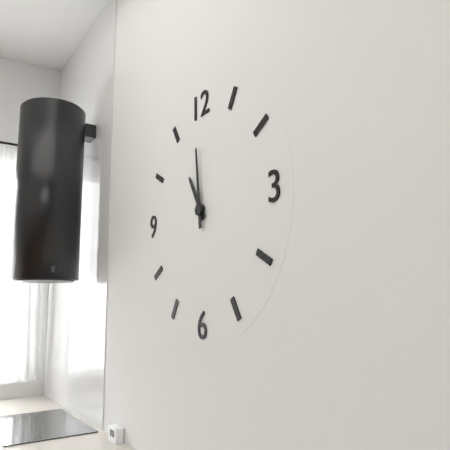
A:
10,59
